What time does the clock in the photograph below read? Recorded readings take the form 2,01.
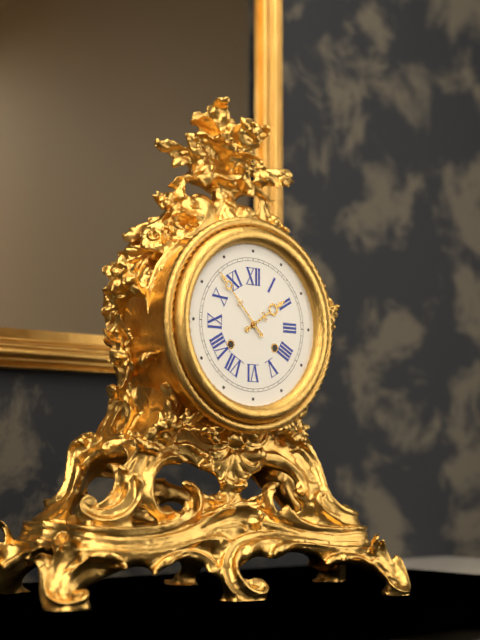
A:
1,53
